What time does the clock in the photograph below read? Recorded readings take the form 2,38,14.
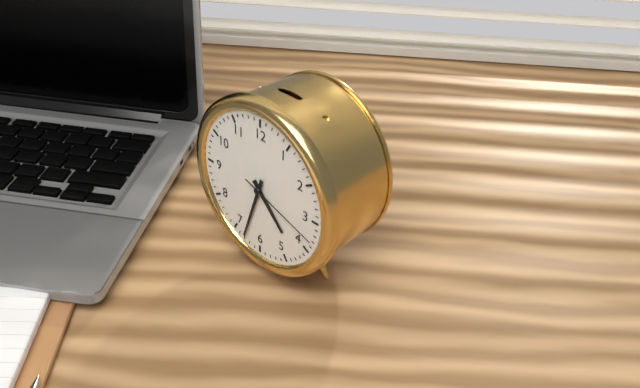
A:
4,33,18
